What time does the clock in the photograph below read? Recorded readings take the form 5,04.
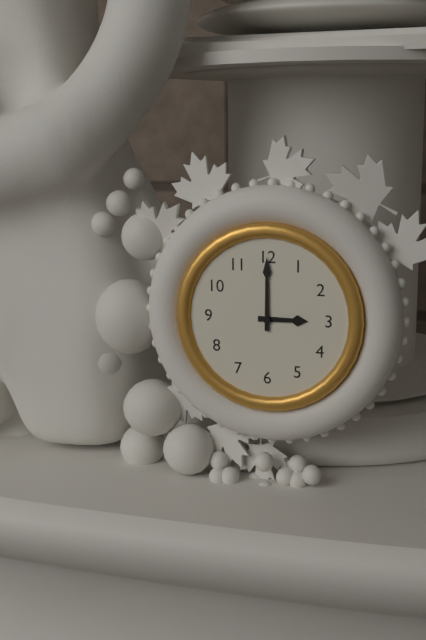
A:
3,00
